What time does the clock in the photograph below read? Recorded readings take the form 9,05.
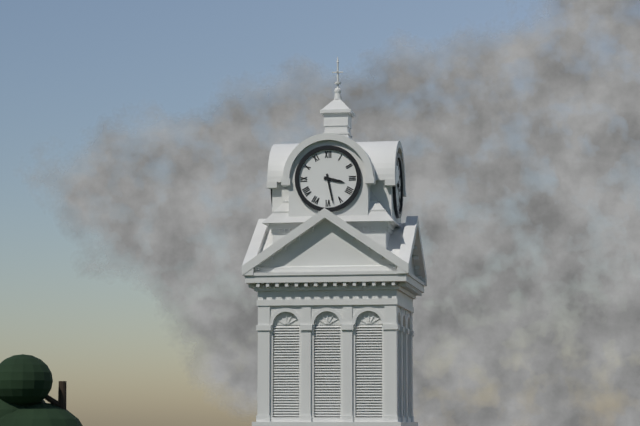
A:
3,28
